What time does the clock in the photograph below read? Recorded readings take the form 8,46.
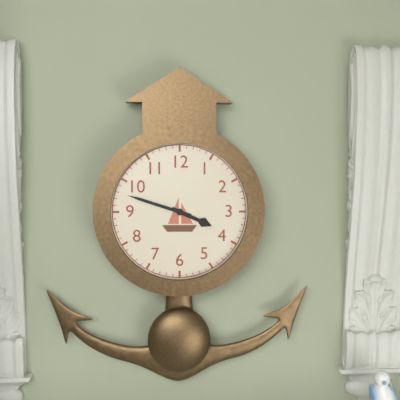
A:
3,48
